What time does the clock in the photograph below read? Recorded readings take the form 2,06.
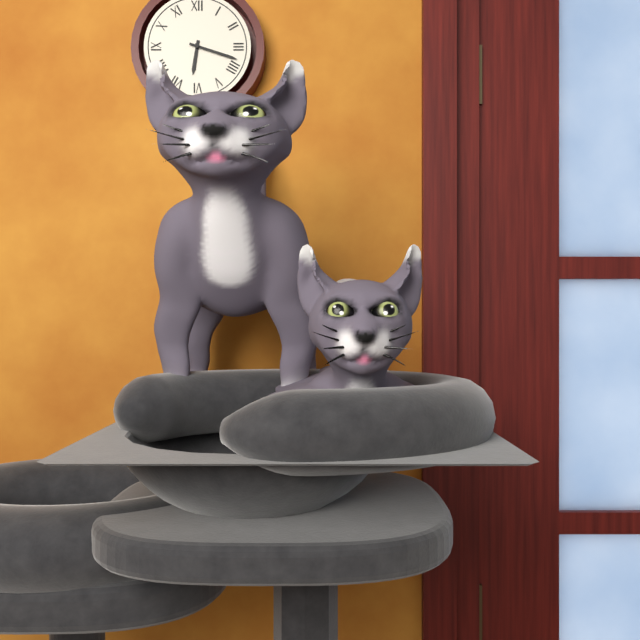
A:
6,18
